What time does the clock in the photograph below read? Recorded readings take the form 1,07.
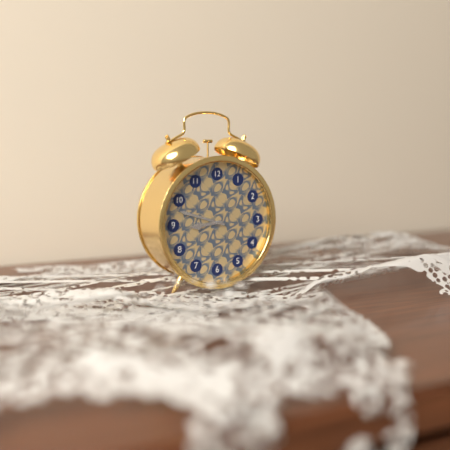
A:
8,48
